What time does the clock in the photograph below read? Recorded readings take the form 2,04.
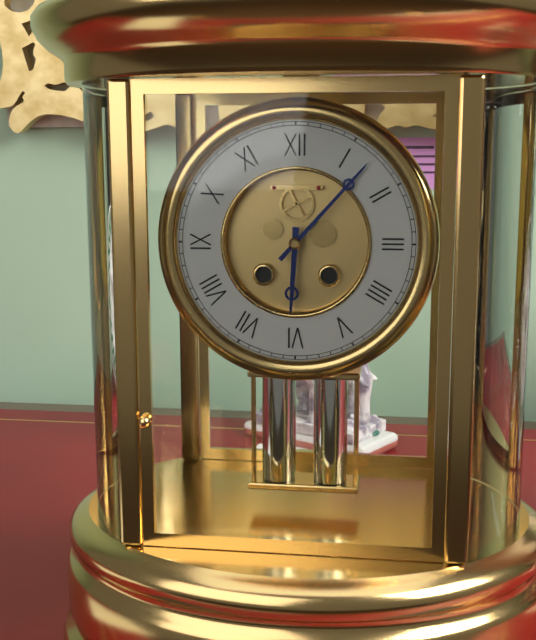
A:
6,07
